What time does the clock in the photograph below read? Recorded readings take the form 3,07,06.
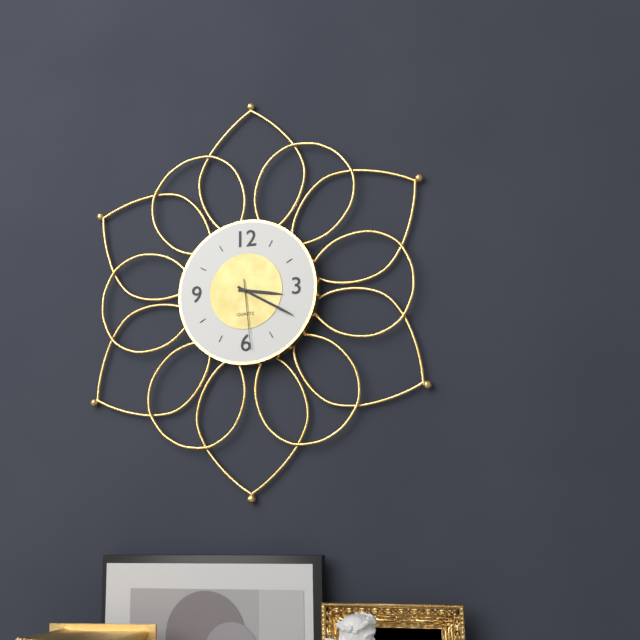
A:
3,20,29
